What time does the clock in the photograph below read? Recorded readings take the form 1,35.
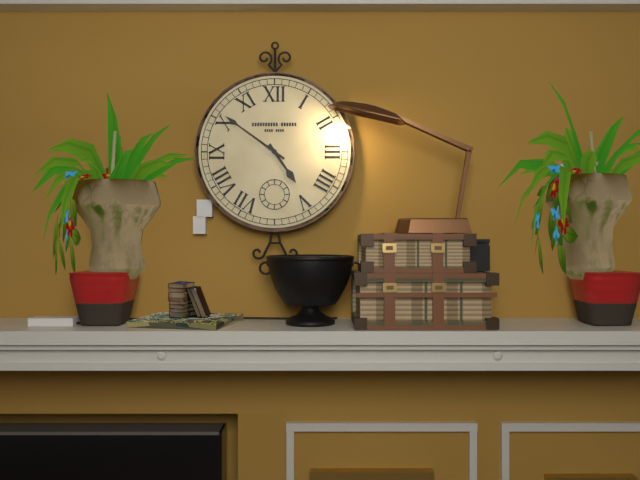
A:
4,51
